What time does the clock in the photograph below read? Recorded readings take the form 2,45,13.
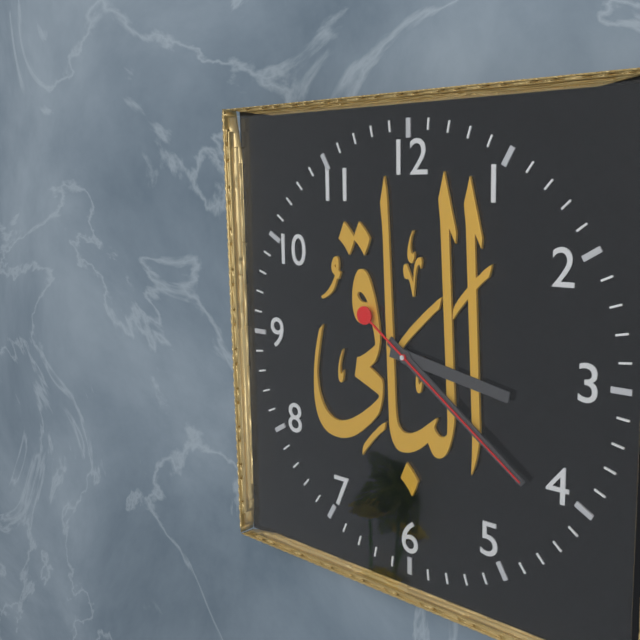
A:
3,21,21
